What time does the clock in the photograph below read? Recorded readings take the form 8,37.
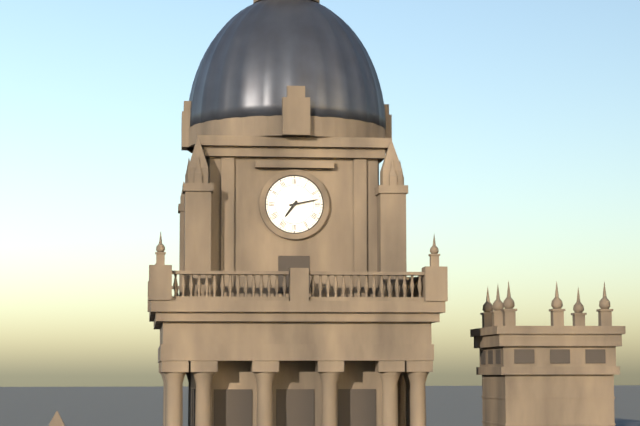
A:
7,13
